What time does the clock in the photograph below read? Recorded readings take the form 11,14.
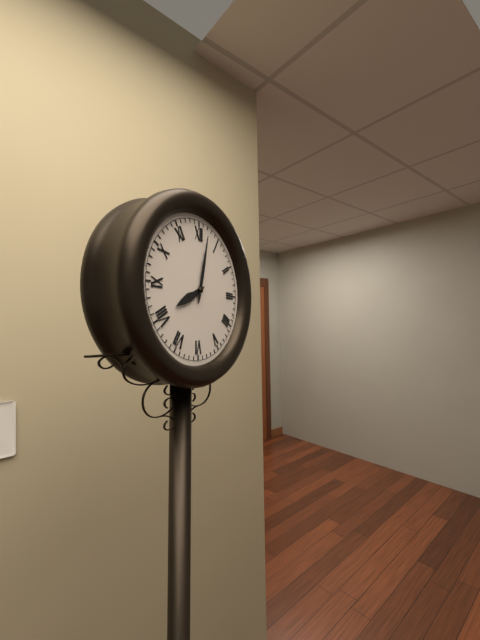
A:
8,02
